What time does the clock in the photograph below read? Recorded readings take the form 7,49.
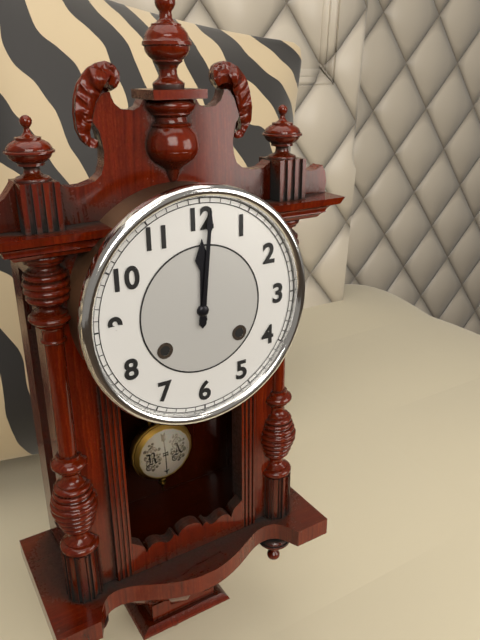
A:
12,01
